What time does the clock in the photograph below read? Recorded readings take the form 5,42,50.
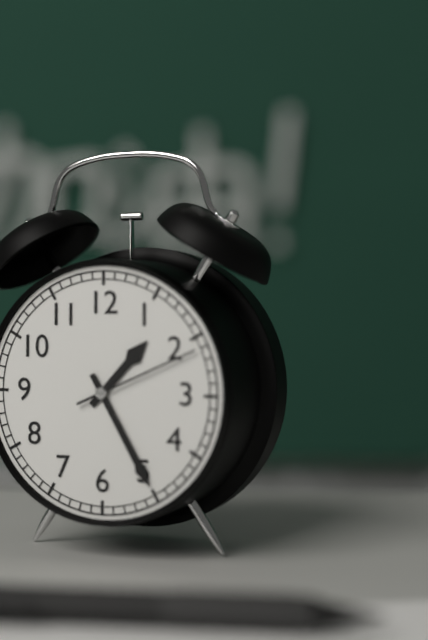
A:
1,25,11
